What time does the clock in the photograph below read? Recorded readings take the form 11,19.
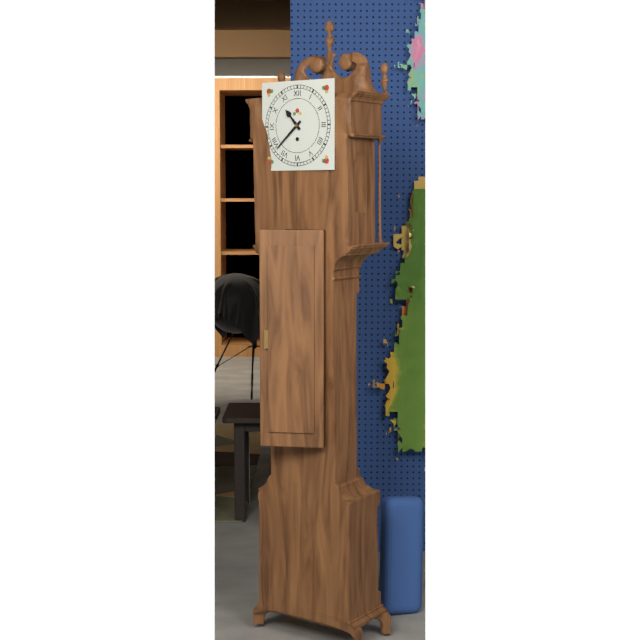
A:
10,38
